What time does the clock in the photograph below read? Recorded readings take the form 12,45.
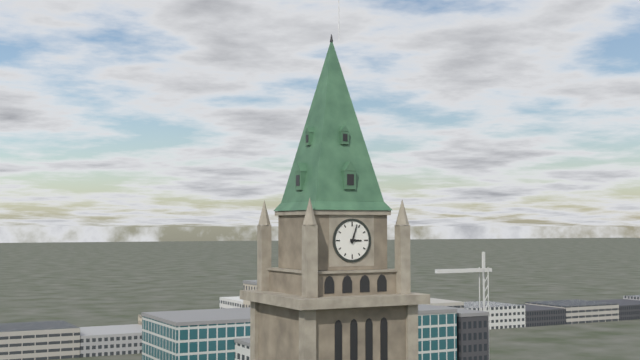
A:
3,03
